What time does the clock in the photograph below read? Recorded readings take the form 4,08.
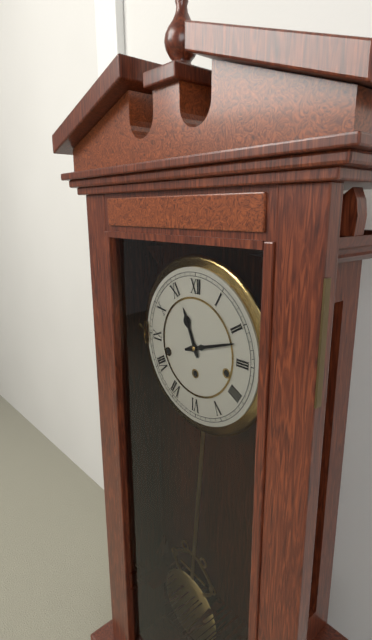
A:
11,12
